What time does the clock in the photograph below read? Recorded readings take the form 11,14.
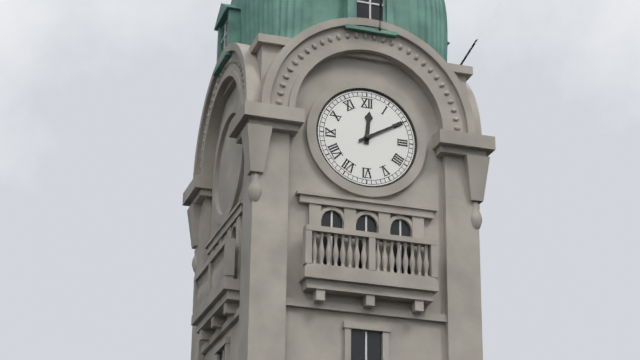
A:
12,10
